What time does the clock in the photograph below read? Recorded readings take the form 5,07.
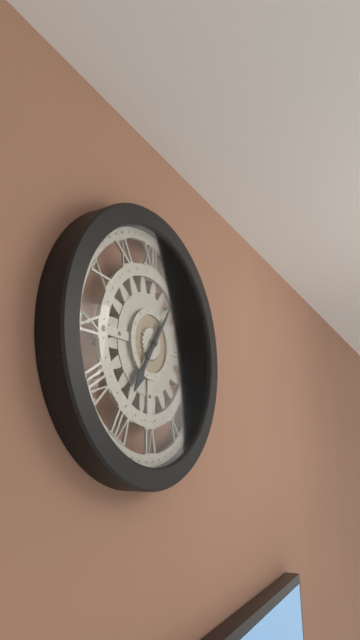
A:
7,06
